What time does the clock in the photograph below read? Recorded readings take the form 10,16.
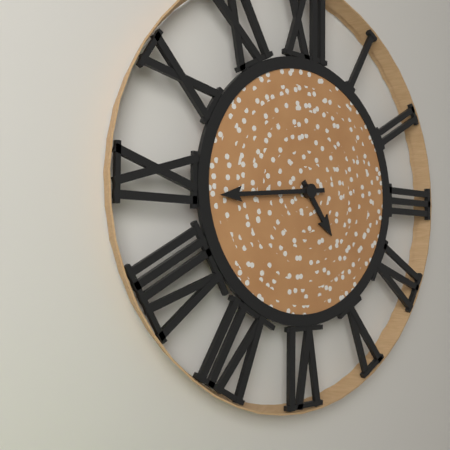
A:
4,44
